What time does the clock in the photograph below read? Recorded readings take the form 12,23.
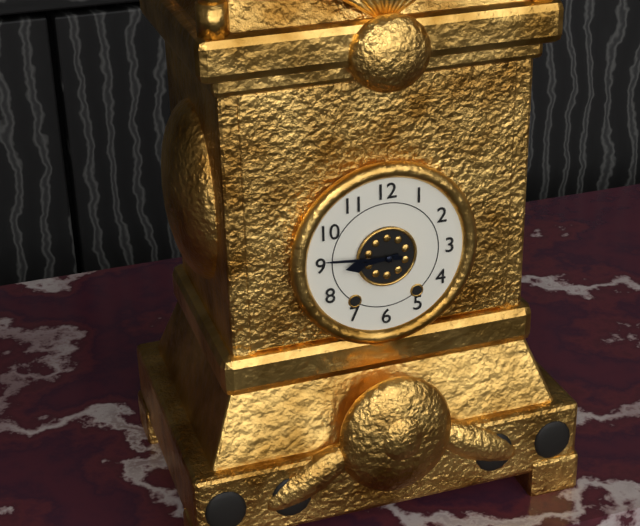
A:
8,46
